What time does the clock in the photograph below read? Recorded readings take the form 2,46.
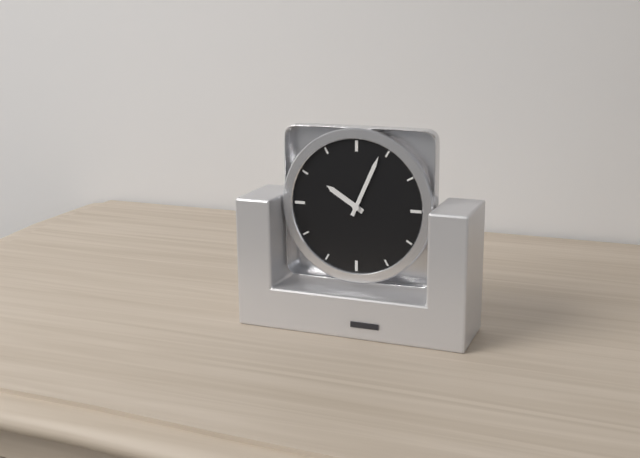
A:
10,04
